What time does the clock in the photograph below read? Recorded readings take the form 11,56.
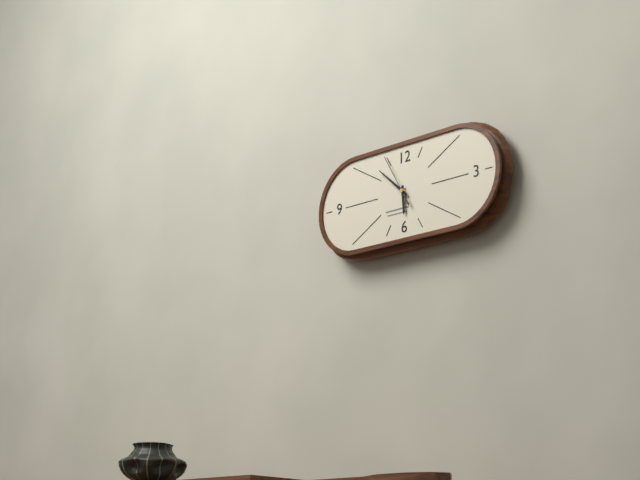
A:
5,52
